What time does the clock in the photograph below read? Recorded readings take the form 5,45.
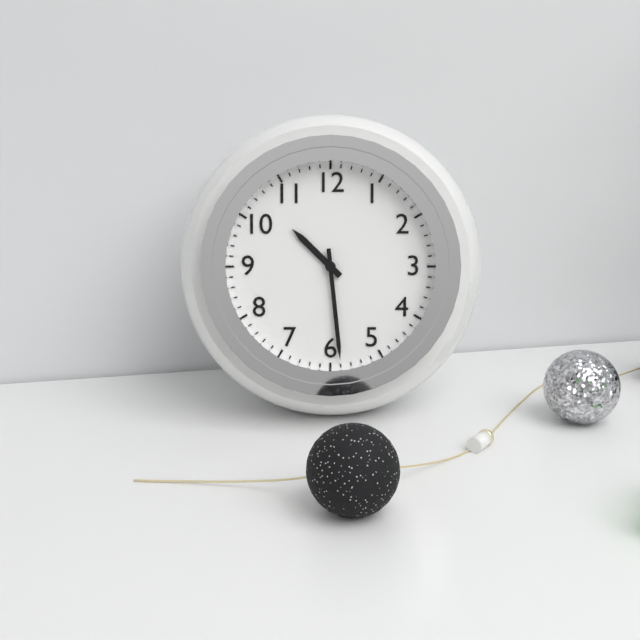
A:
10,29
